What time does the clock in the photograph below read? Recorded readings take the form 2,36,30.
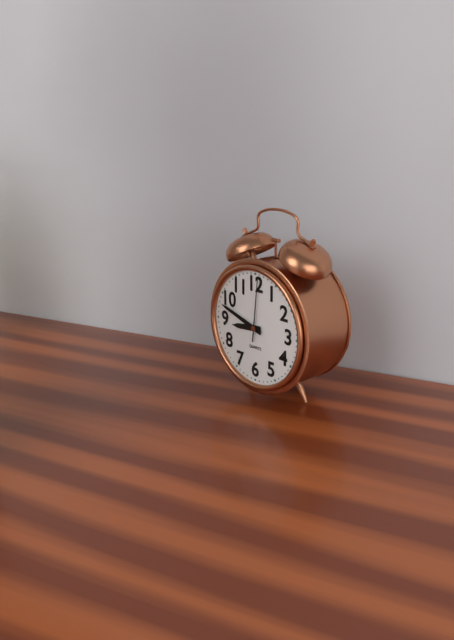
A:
8,48,01
